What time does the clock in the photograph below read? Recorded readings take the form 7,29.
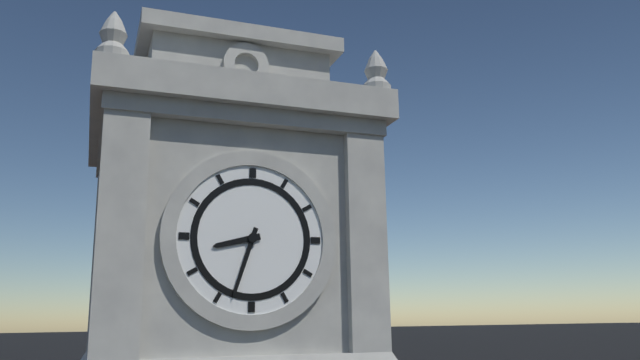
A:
8,33
